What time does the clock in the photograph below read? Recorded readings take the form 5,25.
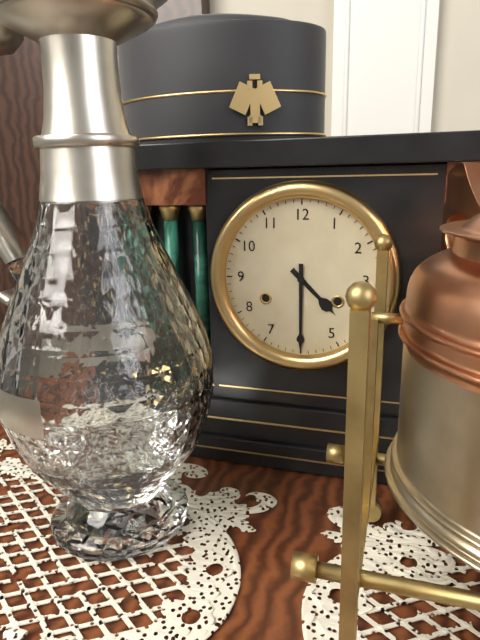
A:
4,30
